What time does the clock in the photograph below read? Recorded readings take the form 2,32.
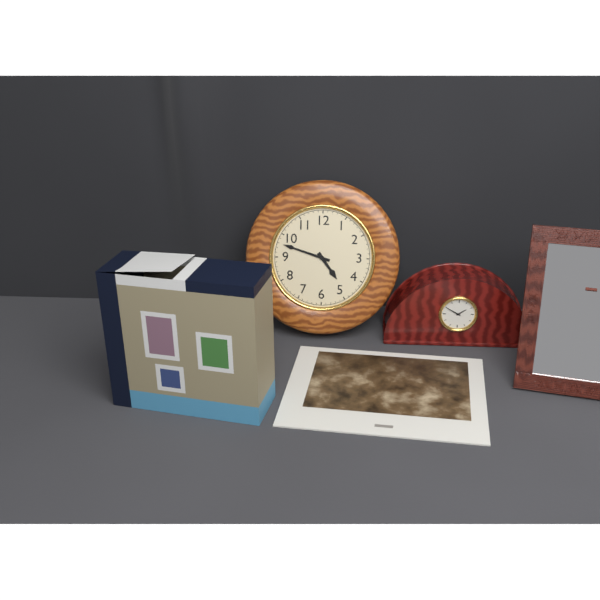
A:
4,48
